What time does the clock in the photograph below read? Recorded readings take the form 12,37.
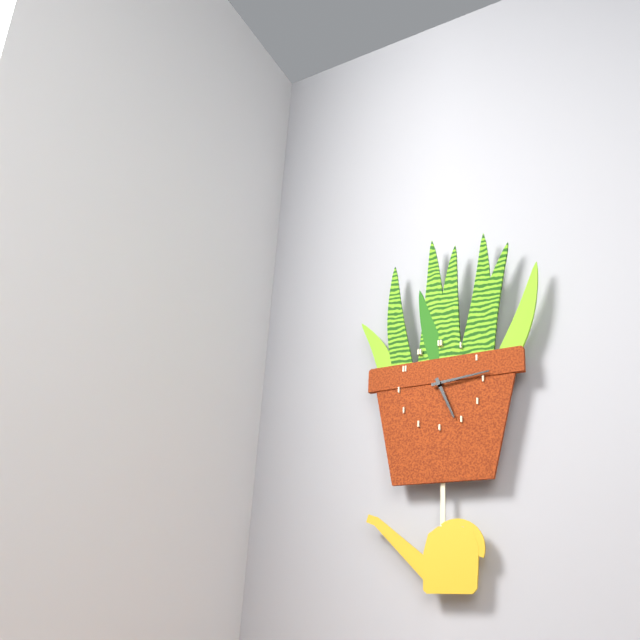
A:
5,14
